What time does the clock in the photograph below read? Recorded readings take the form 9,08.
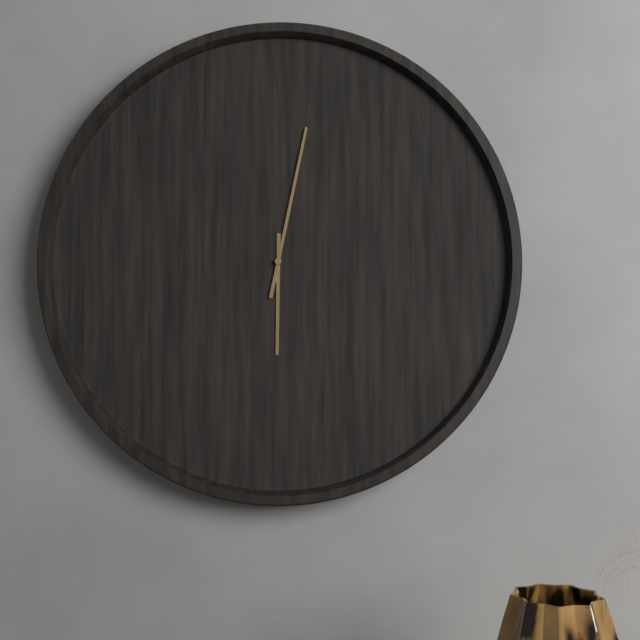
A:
6,02
